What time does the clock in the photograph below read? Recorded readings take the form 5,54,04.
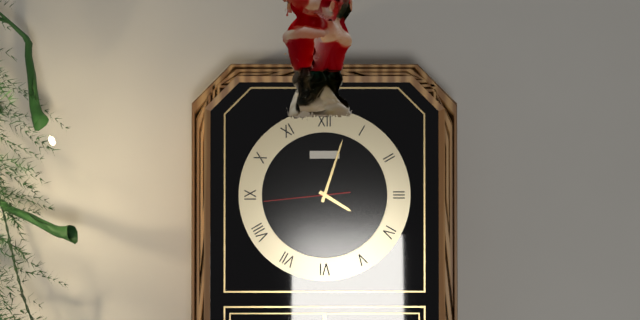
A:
4,03,44
